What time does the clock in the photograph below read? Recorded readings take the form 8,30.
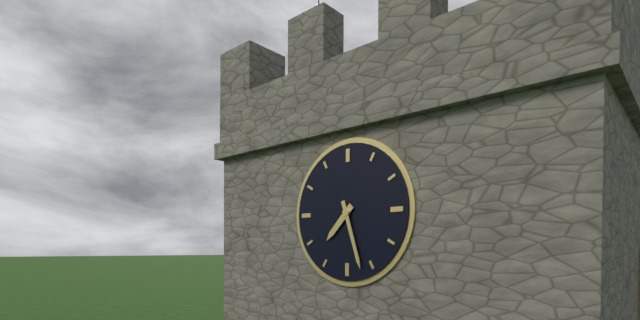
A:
7,27
